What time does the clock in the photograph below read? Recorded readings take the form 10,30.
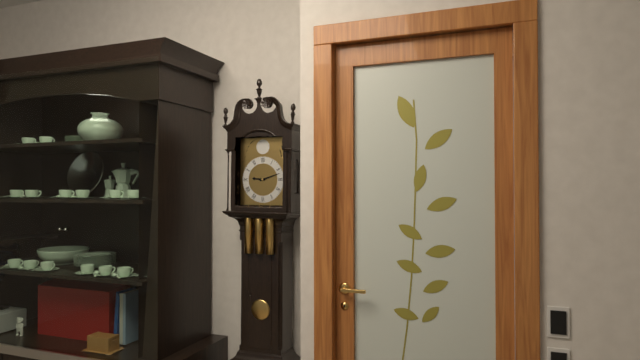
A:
9,12
